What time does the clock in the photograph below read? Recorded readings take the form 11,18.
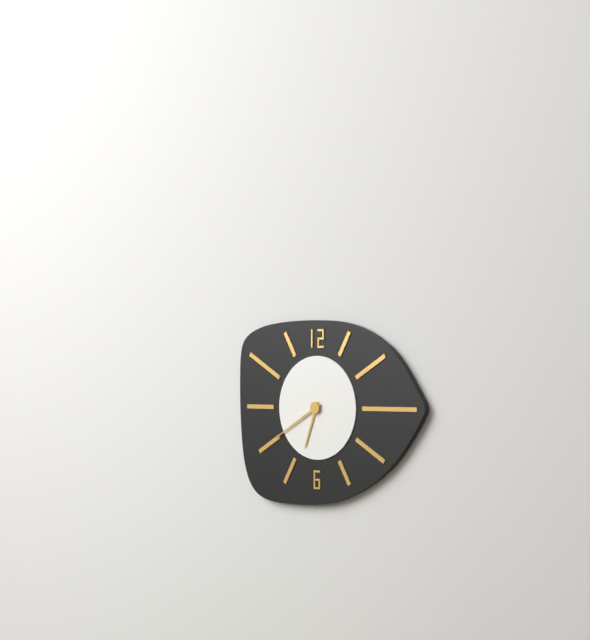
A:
6,40
